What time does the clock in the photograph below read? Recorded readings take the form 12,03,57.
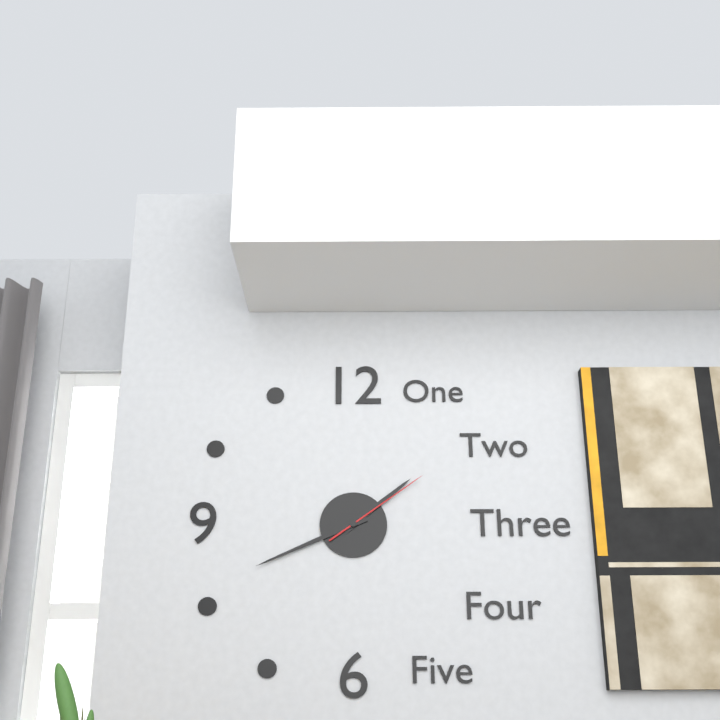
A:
1,41,09
